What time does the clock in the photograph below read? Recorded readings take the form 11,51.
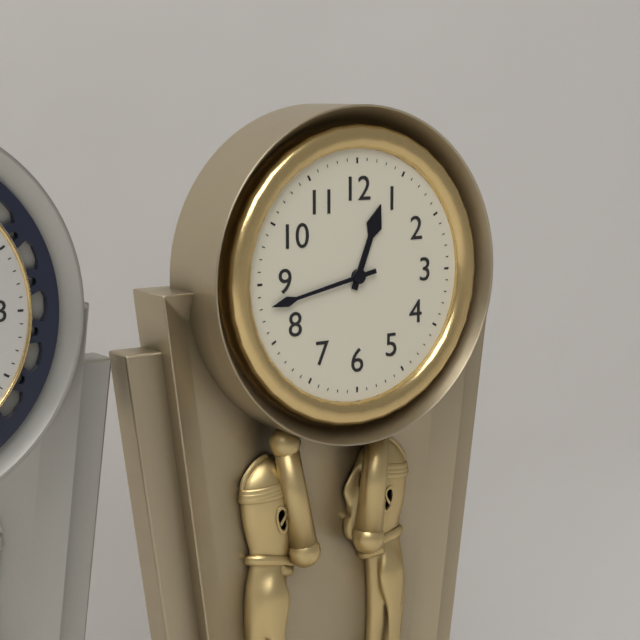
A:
12,43
